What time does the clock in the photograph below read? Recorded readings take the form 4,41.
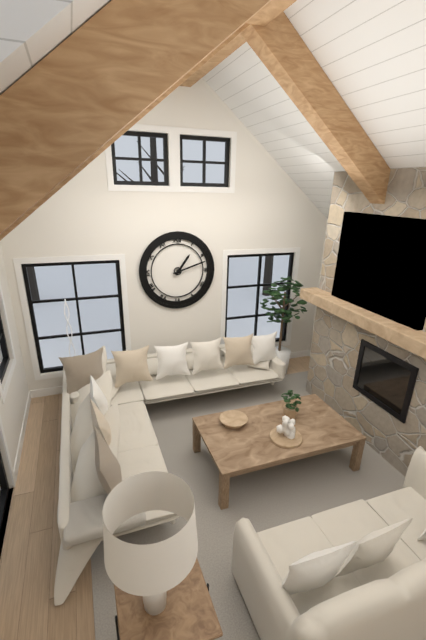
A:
1,12
